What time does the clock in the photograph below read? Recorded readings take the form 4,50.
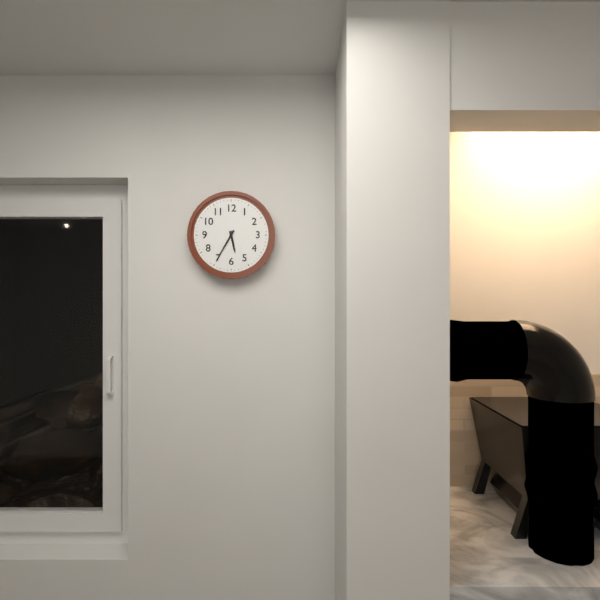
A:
5,35
